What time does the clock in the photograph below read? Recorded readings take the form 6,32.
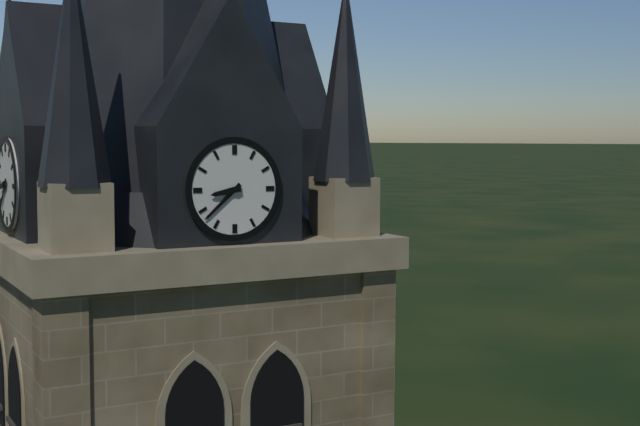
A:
8,38
